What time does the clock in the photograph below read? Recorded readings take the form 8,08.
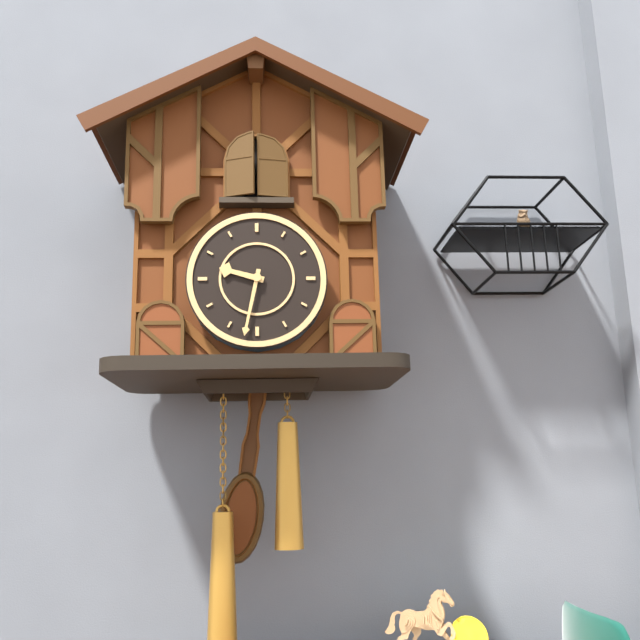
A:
9,32
